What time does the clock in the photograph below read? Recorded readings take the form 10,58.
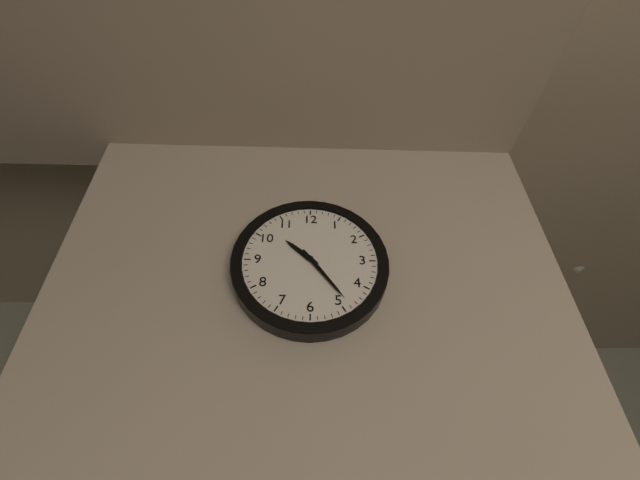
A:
10,24
